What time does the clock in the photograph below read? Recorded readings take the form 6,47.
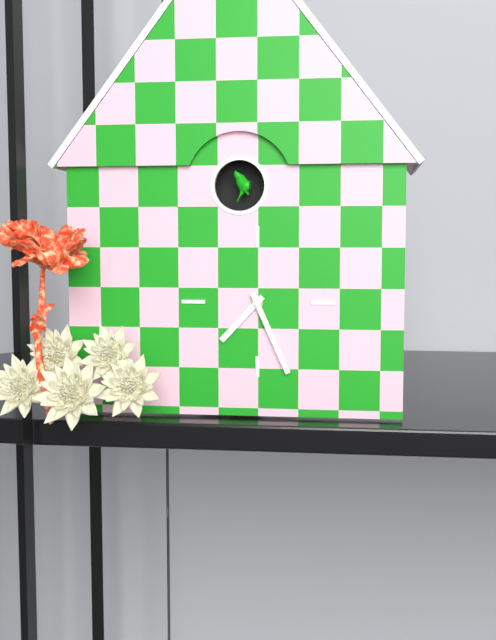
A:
7,26
